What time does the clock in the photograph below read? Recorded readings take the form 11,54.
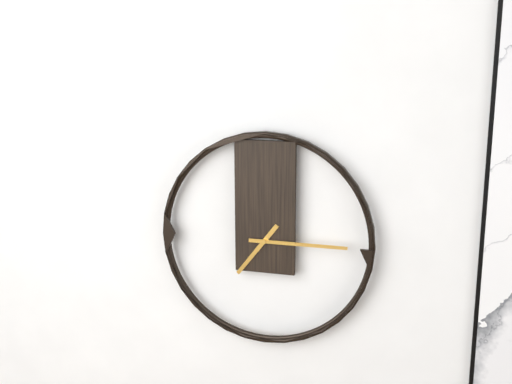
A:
7,15
